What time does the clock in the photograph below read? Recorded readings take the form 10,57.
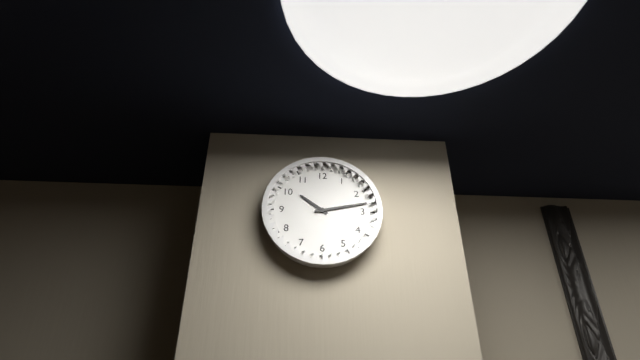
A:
10,13
